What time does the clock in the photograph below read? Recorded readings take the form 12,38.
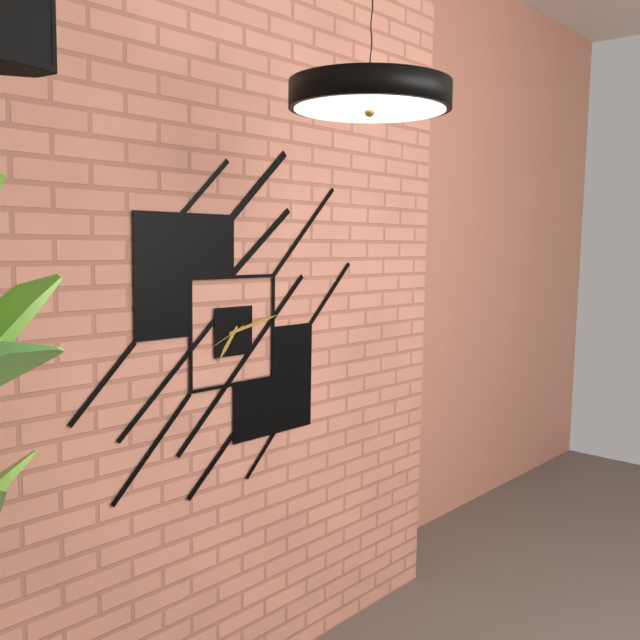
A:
7,13
